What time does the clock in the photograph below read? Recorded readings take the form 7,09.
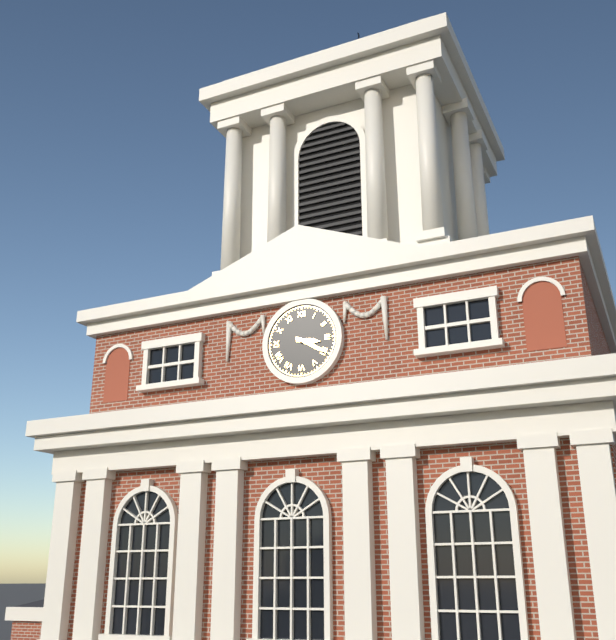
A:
3,20
